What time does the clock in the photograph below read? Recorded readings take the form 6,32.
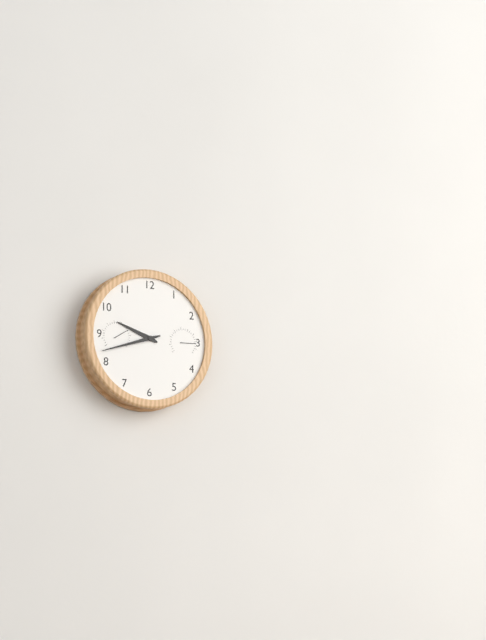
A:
9,42
